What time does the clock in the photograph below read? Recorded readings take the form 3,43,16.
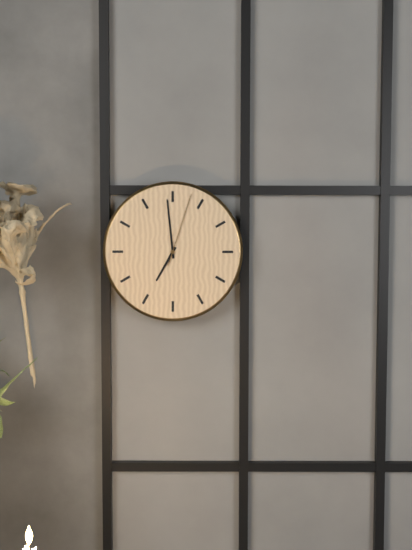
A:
6,59,03
